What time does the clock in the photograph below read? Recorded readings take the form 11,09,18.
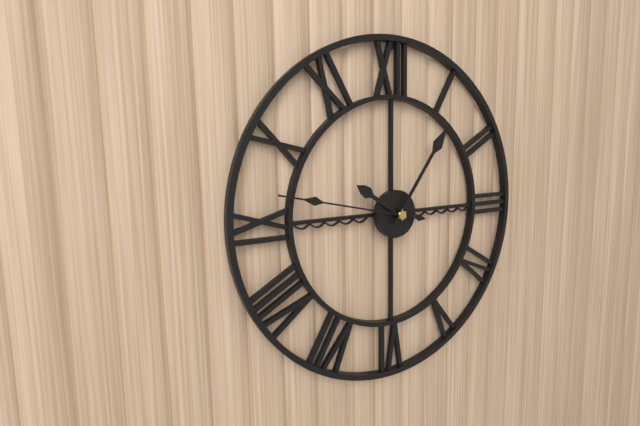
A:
10,06,47
